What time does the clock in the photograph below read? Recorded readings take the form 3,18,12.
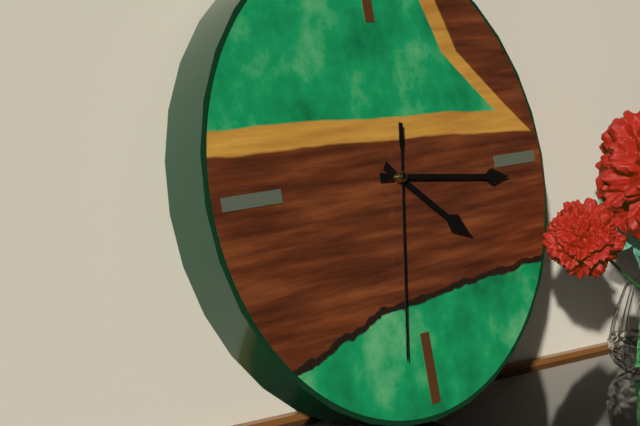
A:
4,16,32
